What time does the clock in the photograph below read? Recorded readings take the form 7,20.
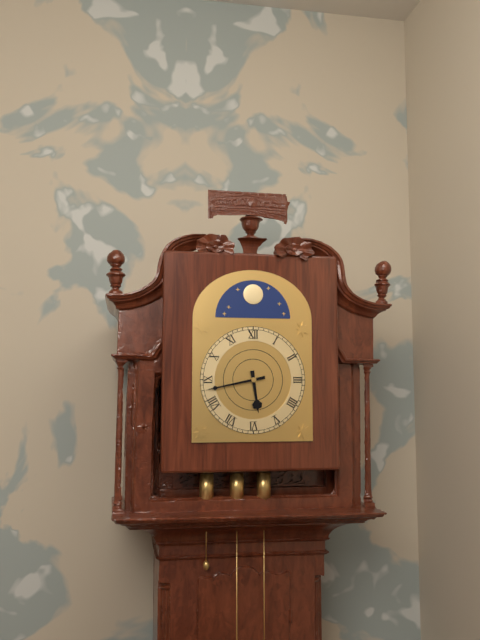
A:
5,43
